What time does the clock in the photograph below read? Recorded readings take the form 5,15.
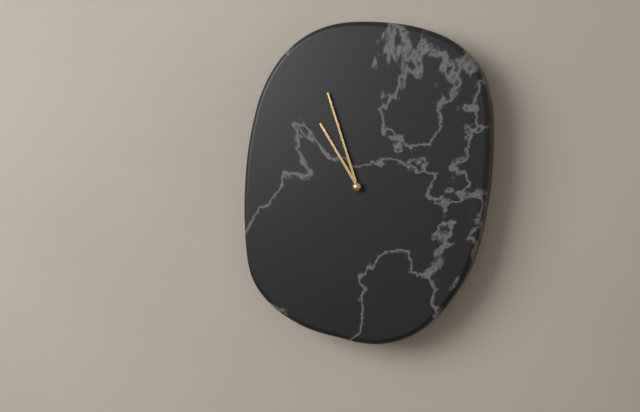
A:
10,57
